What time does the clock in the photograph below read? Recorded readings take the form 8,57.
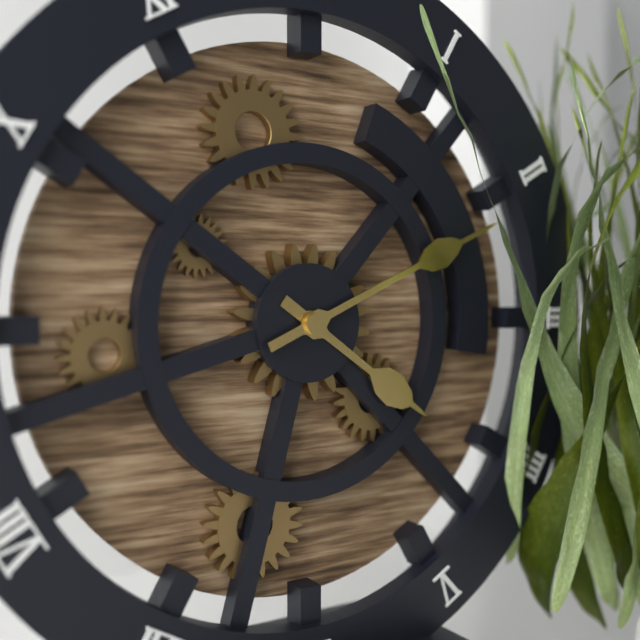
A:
4,11
